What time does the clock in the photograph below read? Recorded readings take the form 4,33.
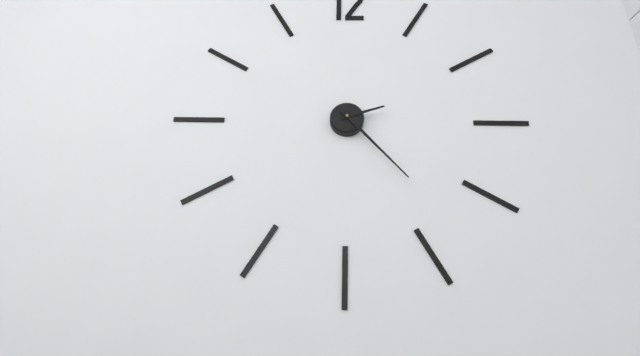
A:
2,23
